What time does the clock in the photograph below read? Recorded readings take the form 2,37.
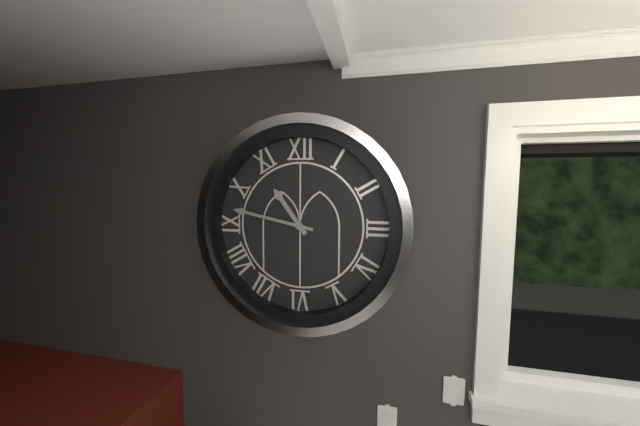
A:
10,47
